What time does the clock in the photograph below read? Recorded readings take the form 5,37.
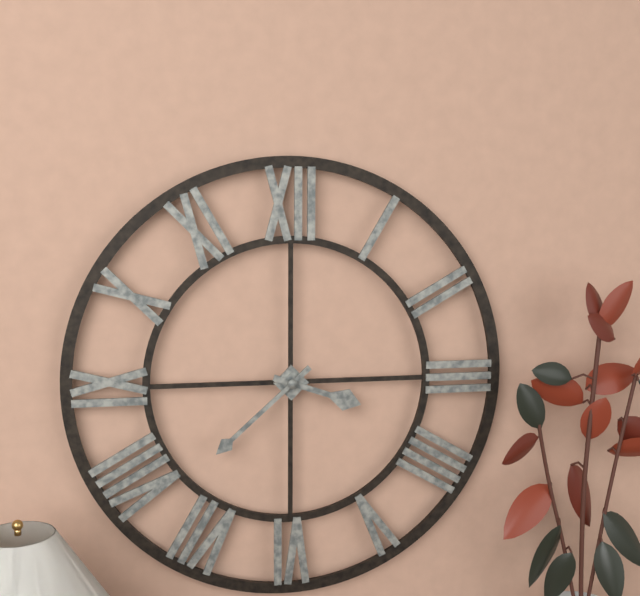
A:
3,38
